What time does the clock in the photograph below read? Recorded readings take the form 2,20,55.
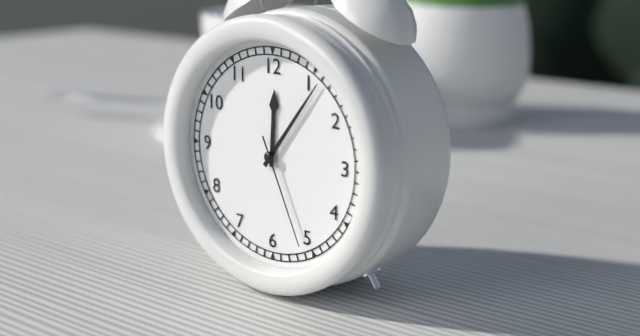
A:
12,06,26
